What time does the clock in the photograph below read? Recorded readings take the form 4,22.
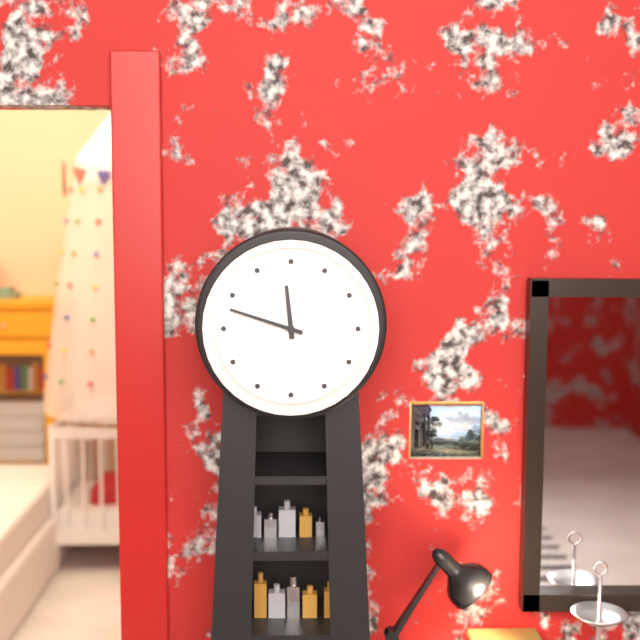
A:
11,48
